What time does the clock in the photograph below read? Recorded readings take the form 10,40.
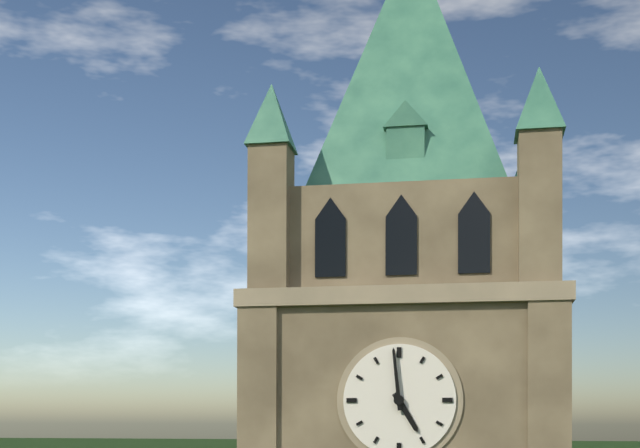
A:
4,59
